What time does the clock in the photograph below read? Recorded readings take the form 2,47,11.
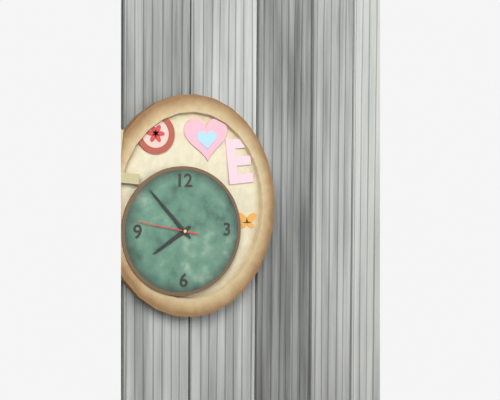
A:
7,53,47
